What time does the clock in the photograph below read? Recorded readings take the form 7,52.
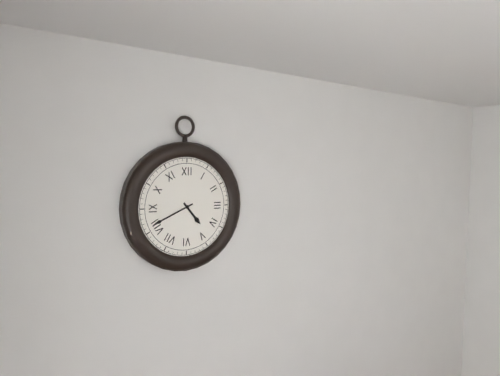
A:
4,41
